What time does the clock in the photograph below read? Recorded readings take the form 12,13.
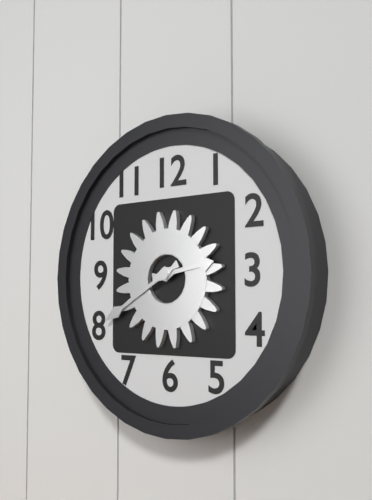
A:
2,40
